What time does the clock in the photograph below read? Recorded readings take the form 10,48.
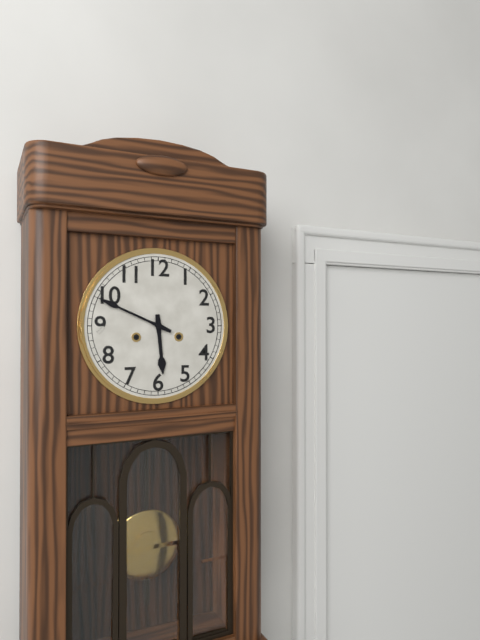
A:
5,49
